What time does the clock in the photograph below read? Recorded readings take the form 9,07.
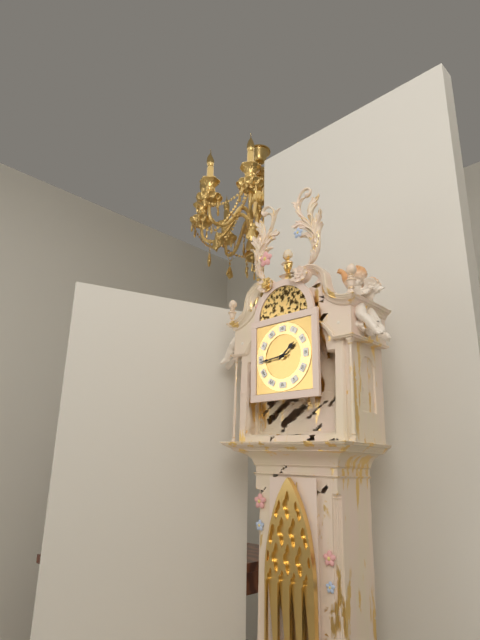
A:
1,44
